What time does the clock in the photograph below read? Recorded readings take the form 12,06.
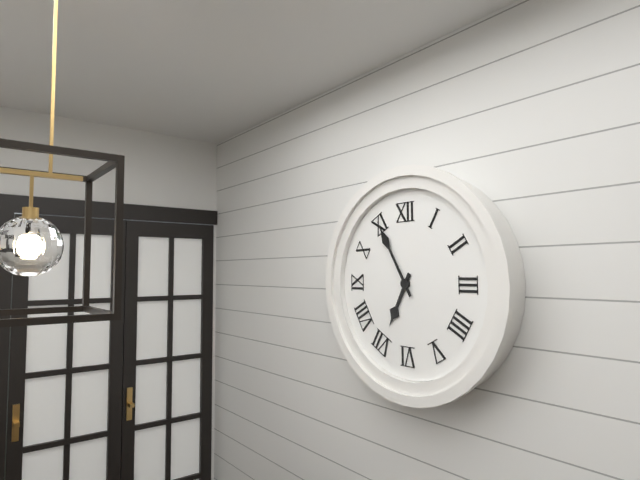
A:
6,55
